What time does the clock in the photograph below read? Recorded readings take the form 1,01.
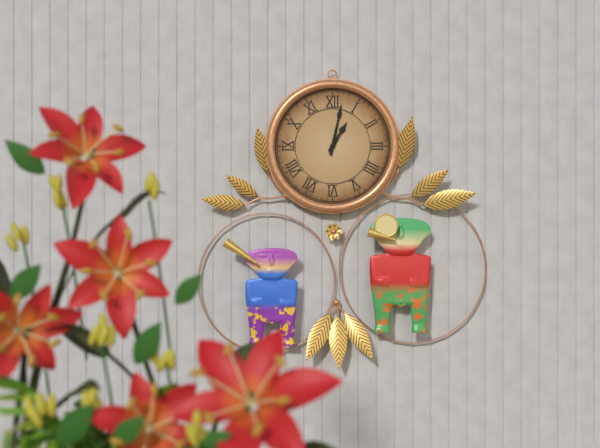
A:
1,02
